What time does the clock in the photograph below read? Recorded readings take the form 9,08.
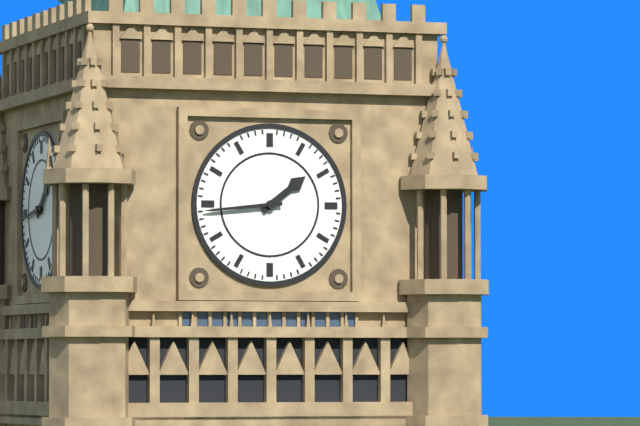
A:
1,44
